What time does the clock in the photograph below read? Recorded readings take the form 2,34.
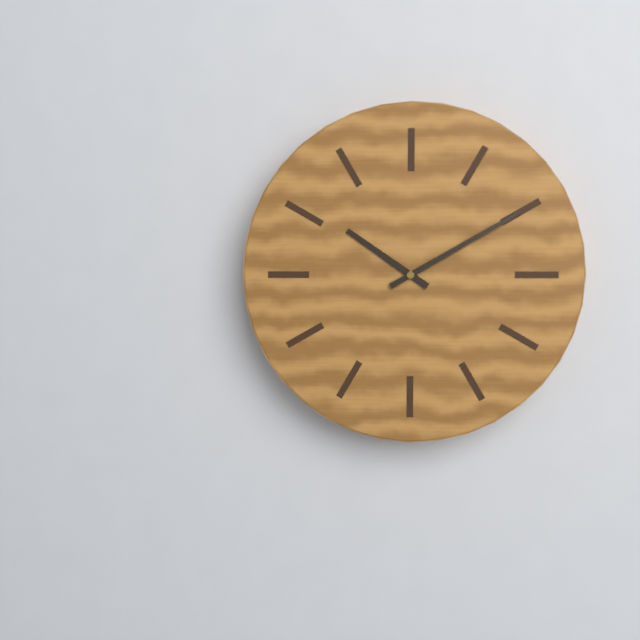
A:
10,10
